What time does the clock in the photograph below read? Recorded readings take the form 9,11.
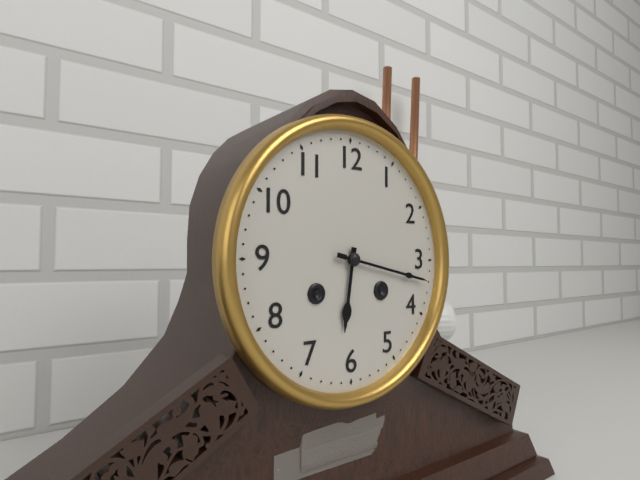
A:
6,17
